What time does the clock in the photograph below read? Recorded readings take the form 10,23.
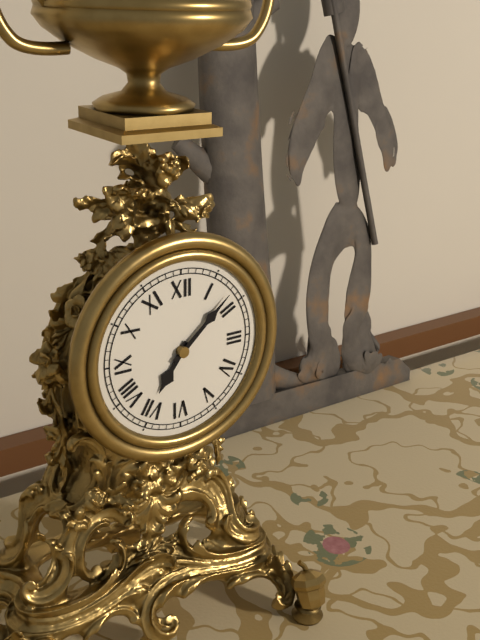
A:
7,08
